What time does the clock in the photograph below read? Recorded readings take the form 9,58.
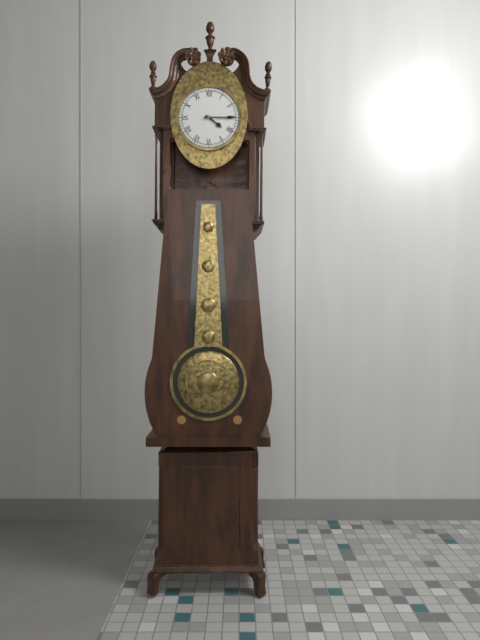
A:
4,15
